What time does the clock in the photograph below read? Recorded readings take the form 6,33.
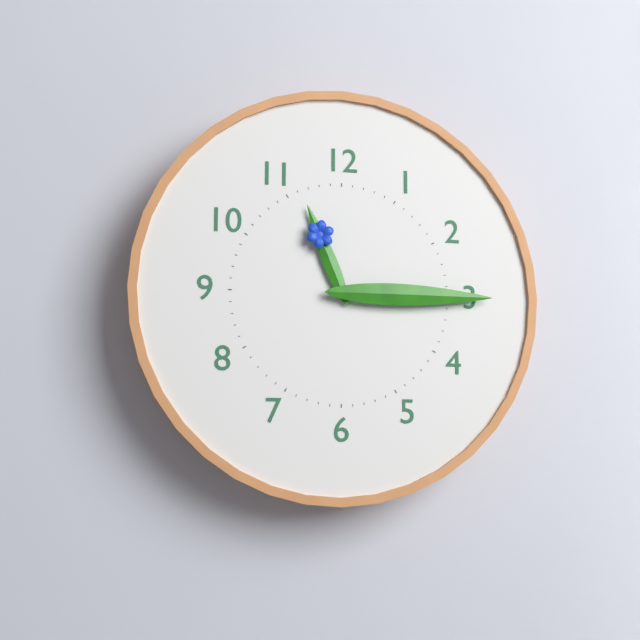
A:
11,15
